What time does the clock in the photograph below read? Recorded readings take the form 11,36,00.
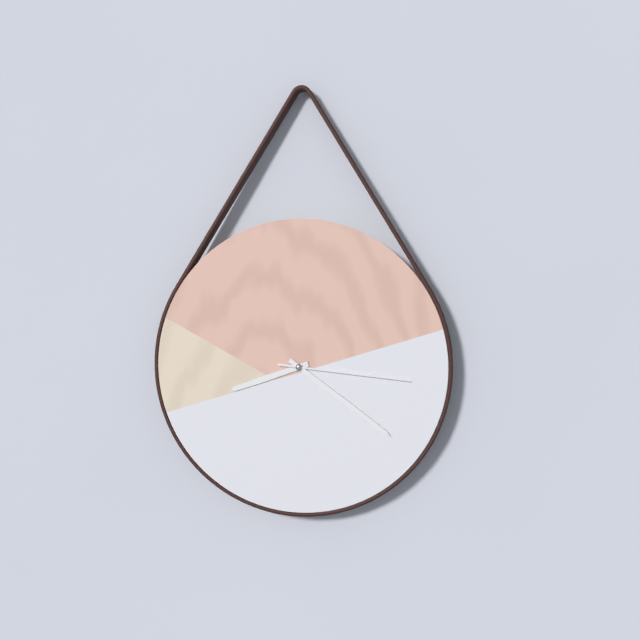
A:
8,21,16
